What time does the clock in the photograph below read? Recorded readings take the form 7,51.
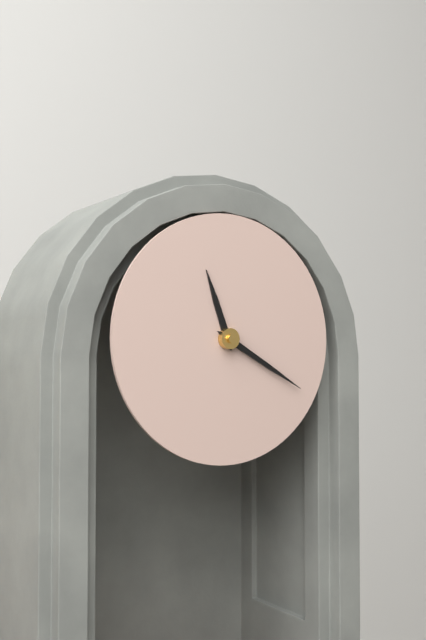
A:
11,20
